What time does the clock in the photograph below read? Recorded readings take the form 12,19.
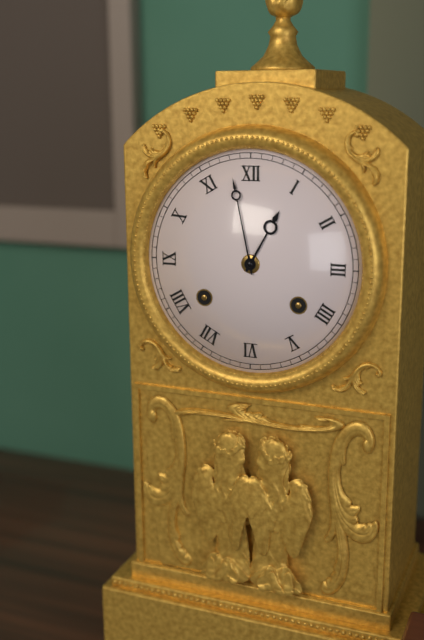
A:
12,58
